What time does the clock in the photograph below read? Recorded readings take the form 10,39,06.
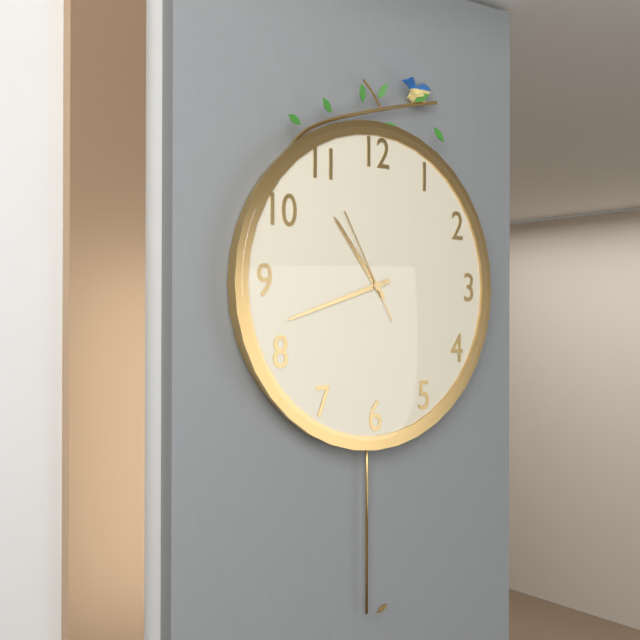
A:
10,42,55
